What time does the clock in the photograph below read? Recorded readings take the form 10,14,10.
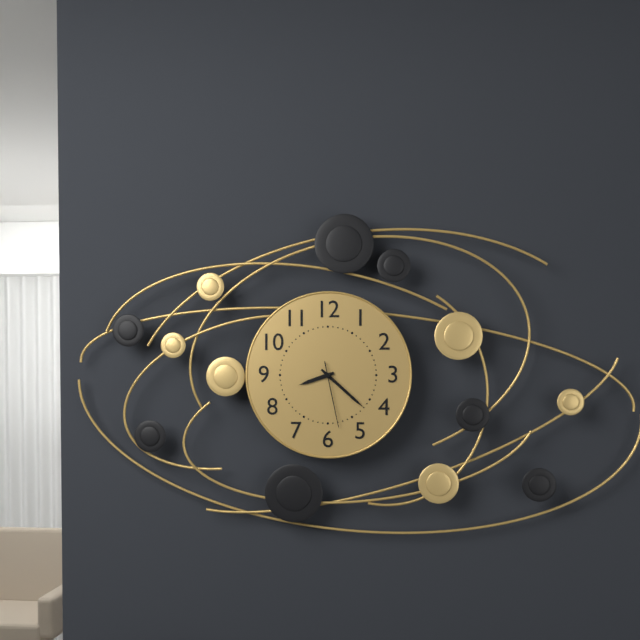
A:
8,22,28
